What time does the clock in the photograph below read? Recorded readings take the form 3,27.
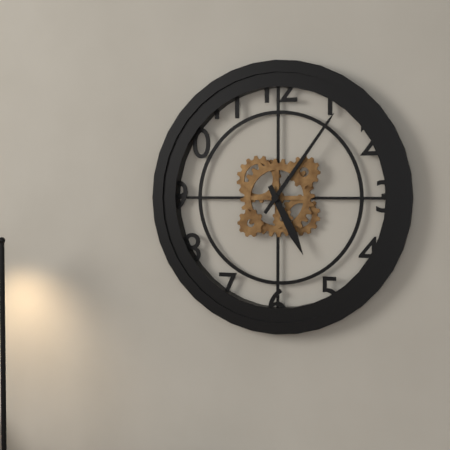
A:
5,06
